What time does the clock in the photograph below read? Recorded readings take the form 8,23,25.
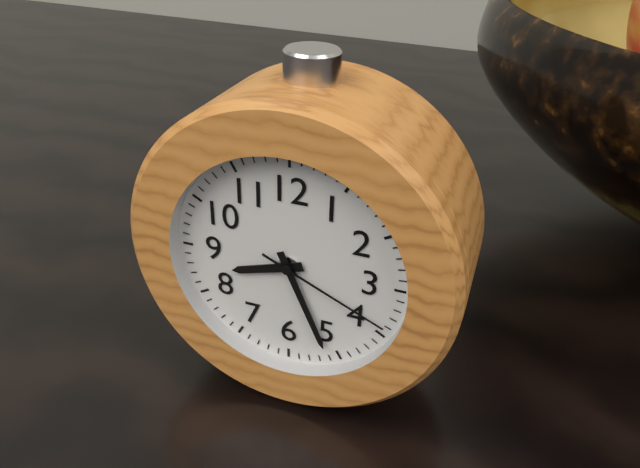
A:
8,26,19
